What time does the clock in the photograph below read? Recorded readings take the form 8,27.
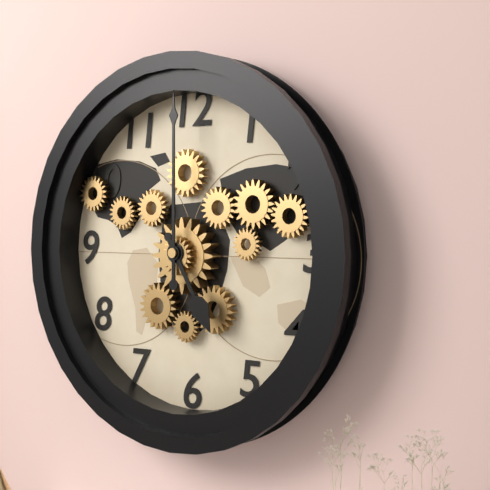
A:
5,00
